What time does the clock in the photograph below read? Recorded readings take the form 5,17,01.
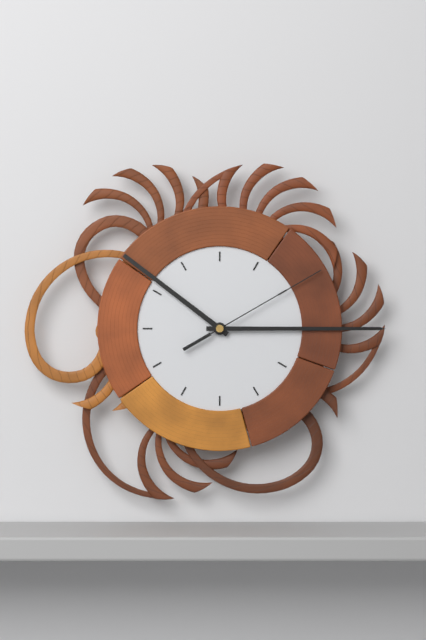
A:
10,15,10
